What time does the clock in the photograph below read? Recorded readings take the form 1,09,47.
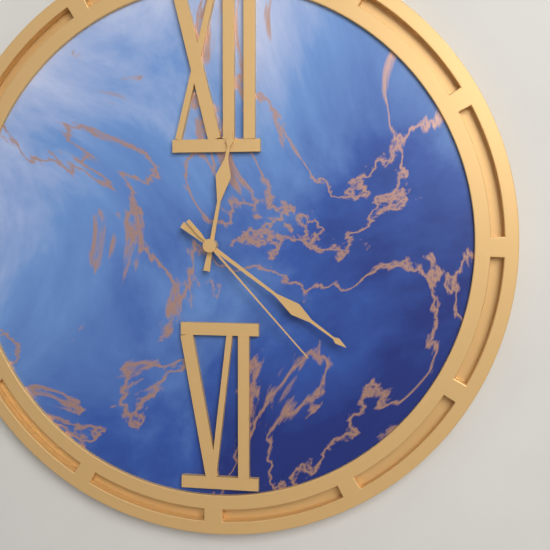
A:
12,21,23
